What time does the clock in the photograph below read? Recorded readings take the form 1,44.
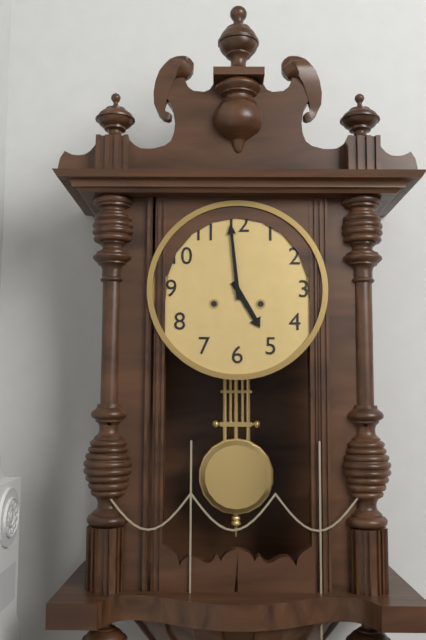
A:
4,59
